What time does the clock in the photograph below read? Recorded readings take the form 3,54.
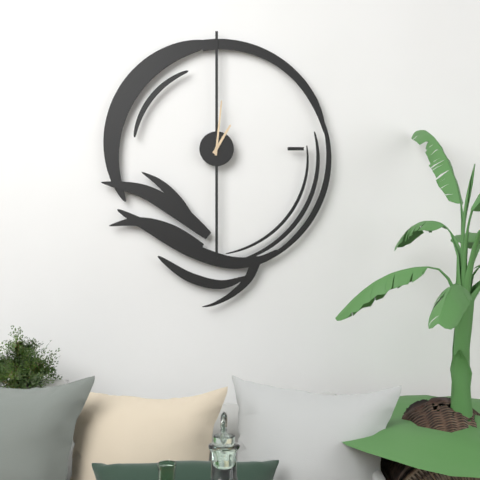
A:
1,01
